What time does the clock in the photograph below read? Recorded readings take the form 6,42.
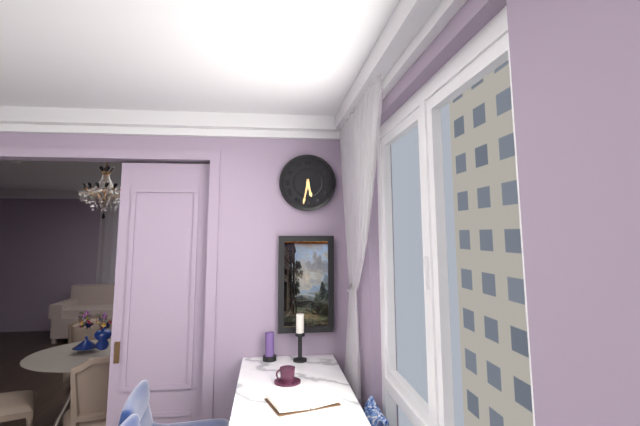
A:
5,32
